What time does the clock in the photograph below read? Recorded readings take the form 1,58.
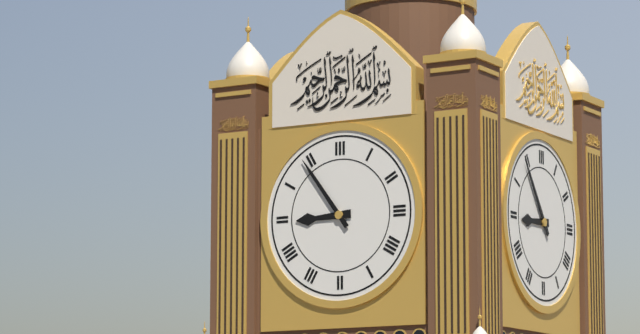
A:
8,54
